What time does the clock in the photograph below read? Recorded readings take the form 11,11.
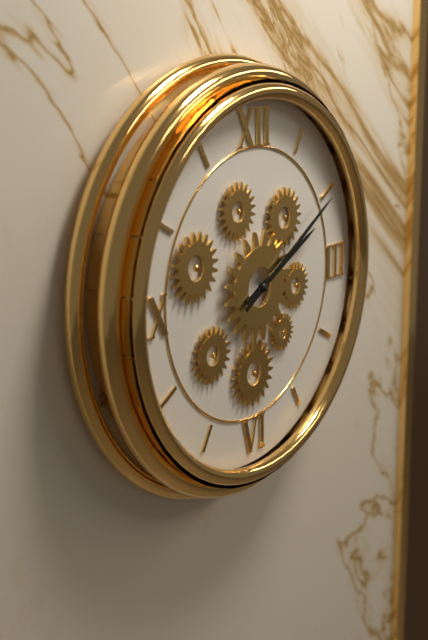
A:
2,10
